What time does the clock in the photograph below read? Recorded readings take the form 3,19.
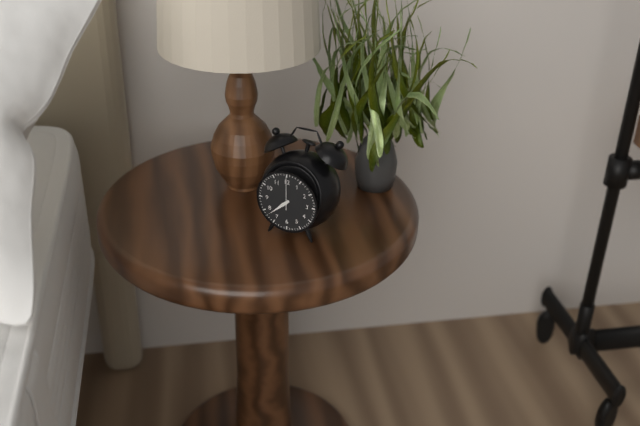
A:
7,38
